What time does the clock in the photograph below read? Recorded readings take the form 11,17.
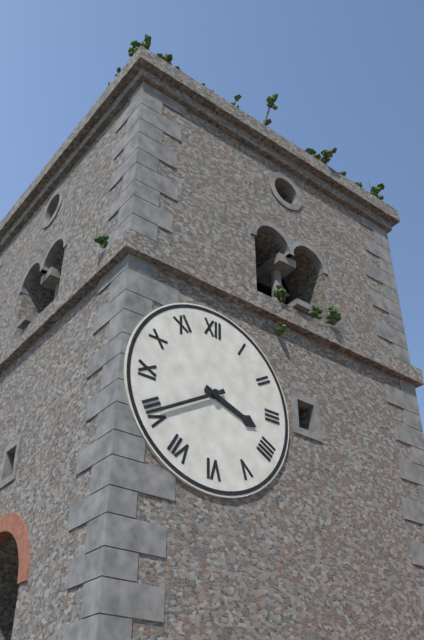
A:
3,40
